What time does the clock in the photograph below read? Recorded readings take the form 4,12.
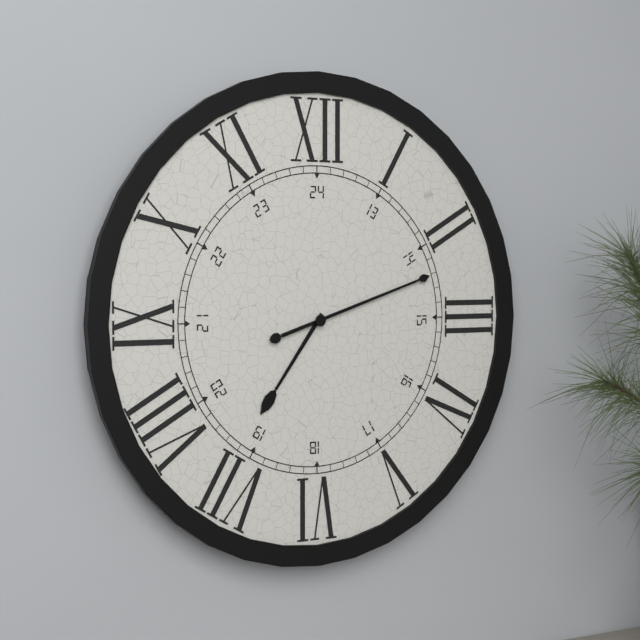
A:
7,12
